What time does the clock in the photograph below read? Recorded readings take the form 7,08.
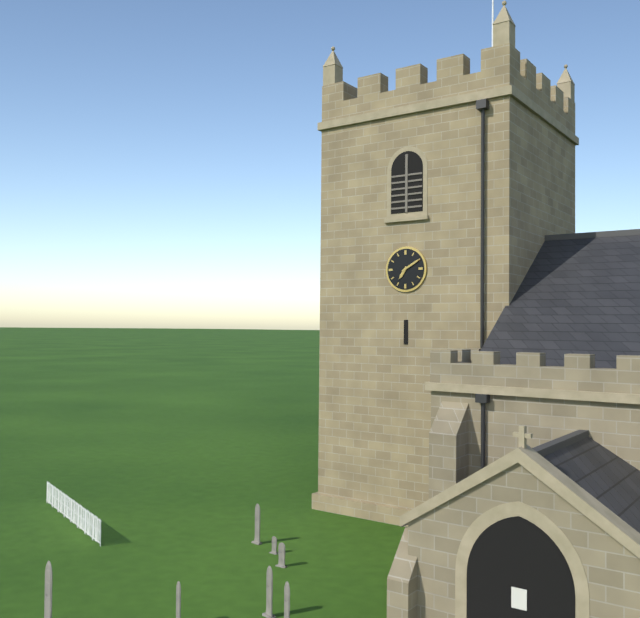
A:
7,10
